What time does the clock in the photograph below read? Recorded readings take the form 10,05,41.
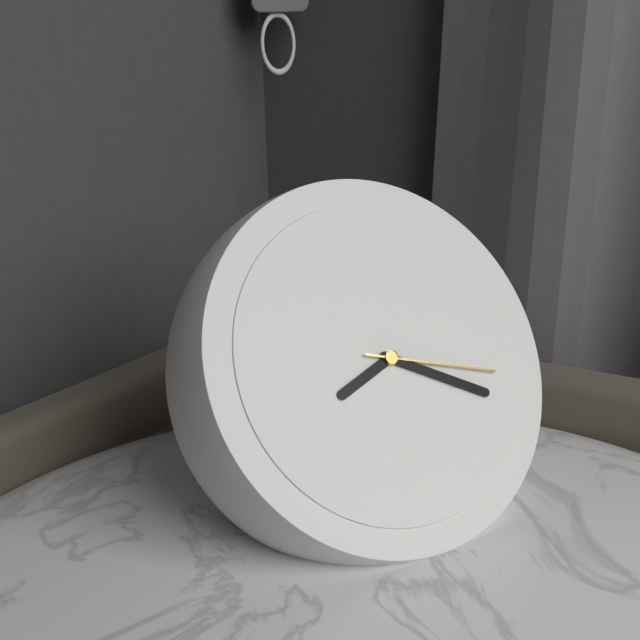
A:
8,20,18
